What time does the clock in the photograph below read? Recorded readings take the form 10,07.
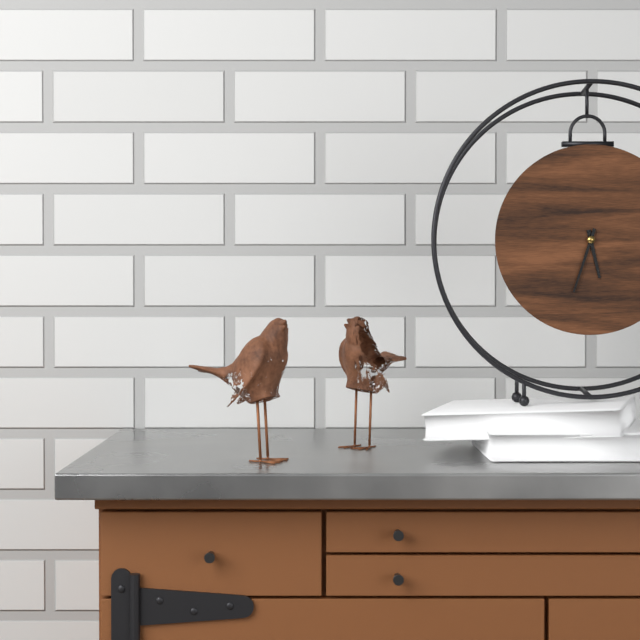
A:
5,33
